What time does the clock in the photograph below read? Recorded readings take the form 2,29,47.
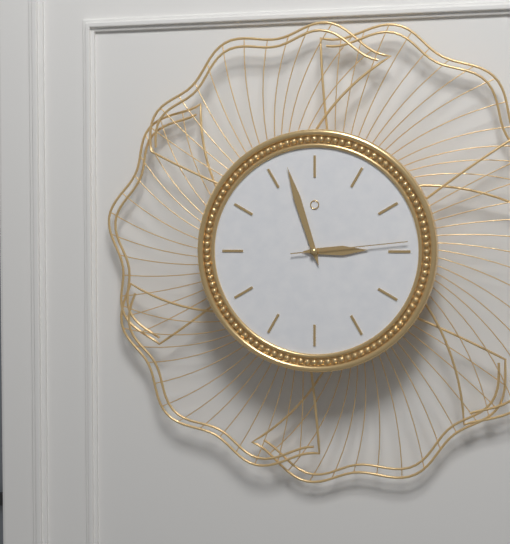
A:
2,57,14
